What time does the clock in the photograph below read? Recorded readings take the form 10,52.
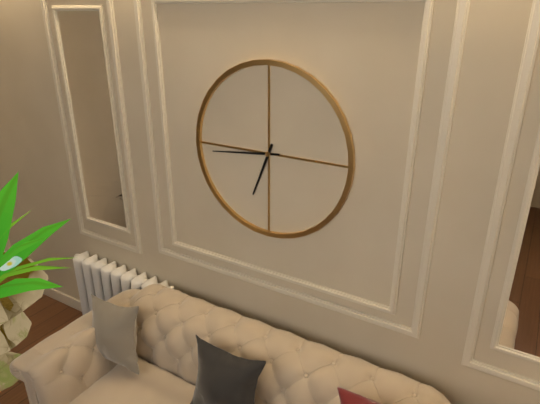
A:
6,44
